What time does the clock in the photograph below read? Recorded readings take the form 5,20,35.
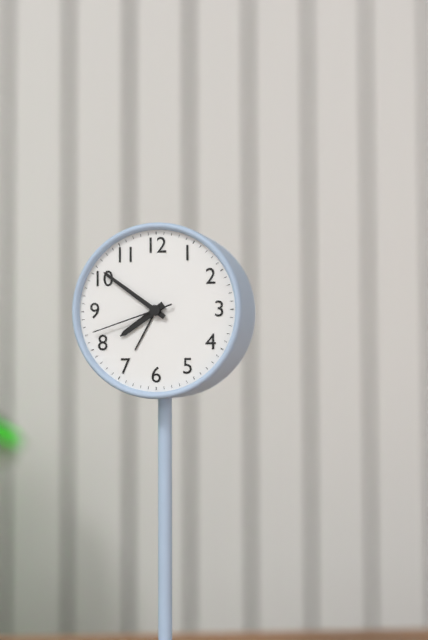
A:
7,51,42
